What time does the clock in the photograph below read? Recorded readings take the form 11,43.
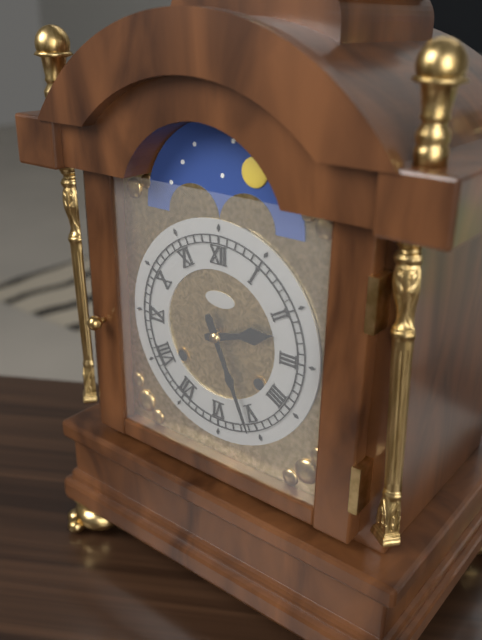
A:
2,26
